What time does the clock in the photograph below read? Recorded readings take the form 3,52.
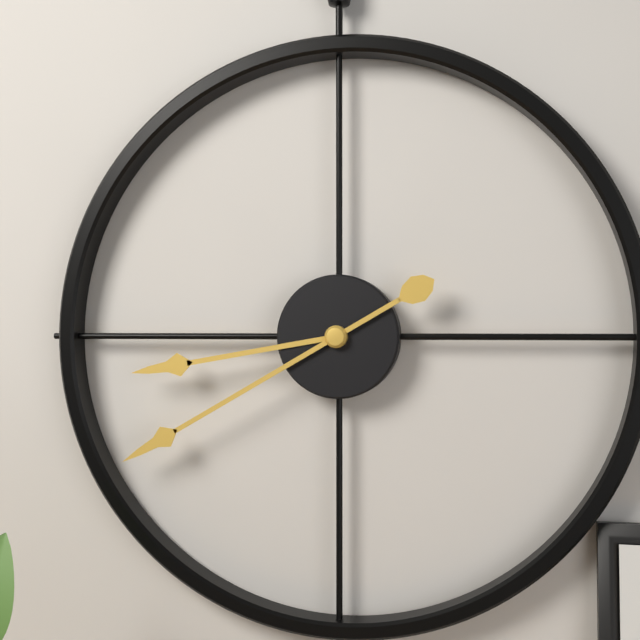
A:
8,40
